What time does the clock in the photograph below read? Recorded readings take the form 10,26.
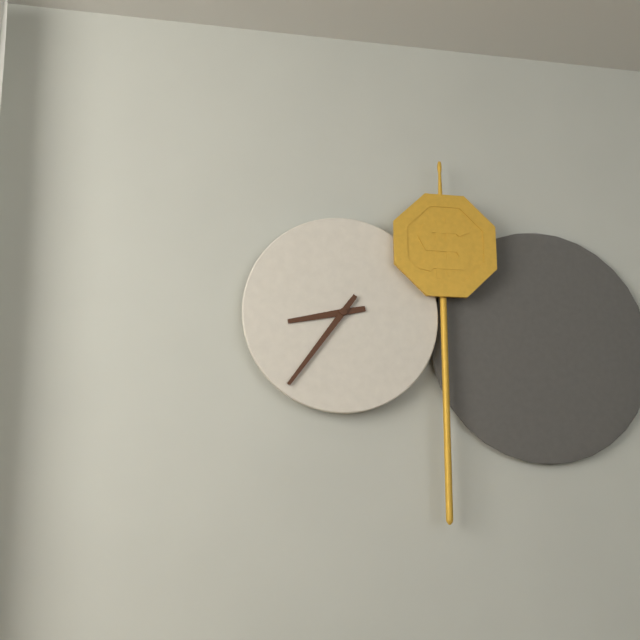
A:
8,36
